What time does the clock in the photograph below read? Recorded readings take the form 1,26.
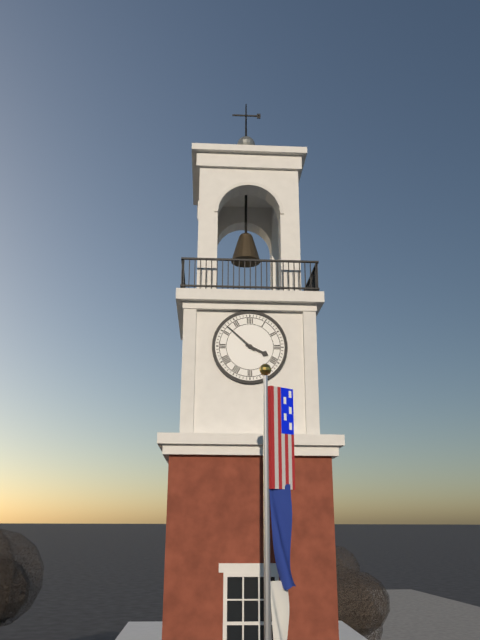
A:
3,52
